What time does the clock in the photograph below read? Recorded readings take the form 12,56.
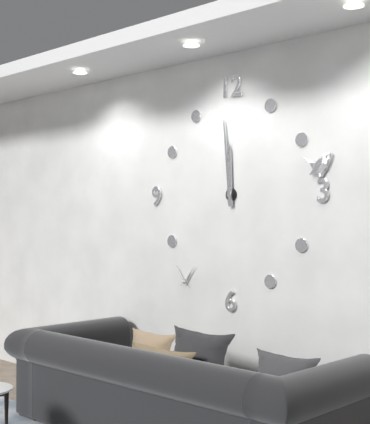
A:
11,59
